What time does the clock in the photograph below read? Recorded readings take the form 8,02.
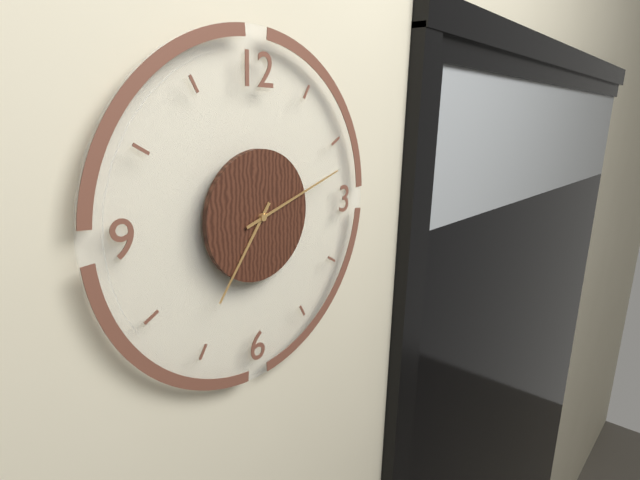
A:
7,12
